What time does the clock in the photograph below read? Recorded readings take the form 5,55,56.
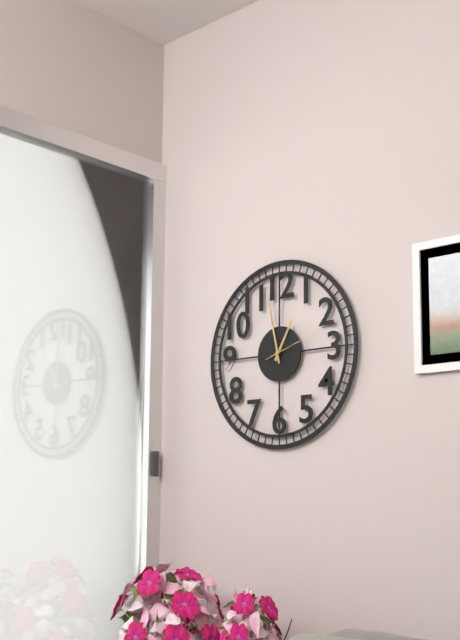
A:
12,58,12
